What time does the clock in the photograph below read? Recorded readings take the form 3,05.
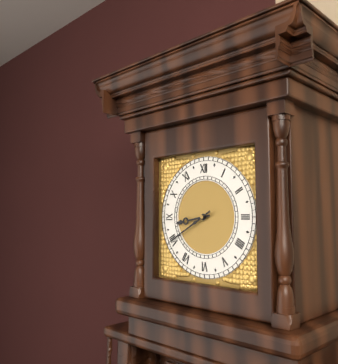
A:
8,40
